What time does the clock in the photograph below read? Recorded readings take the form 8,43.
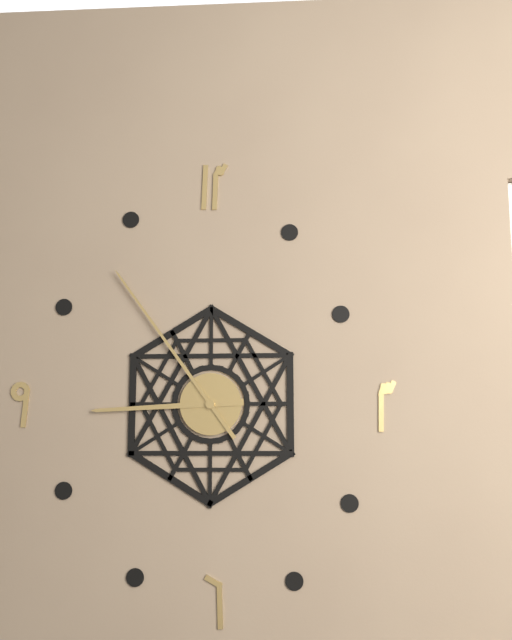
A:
8,54
